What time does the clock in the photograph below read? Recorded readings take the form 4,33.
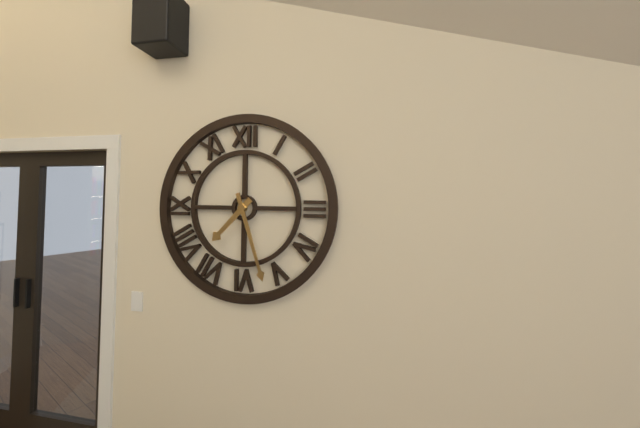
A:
7,27
